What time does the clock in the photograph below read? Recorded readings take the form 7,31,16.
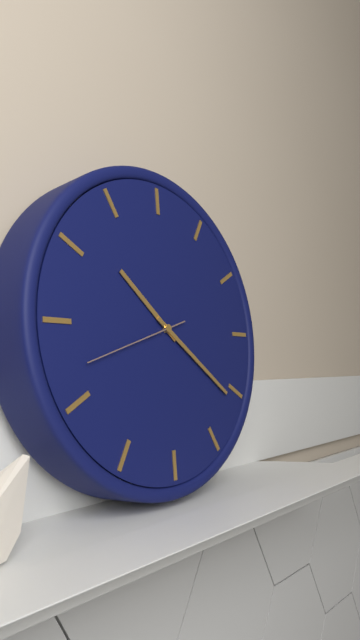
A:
10,21,42
